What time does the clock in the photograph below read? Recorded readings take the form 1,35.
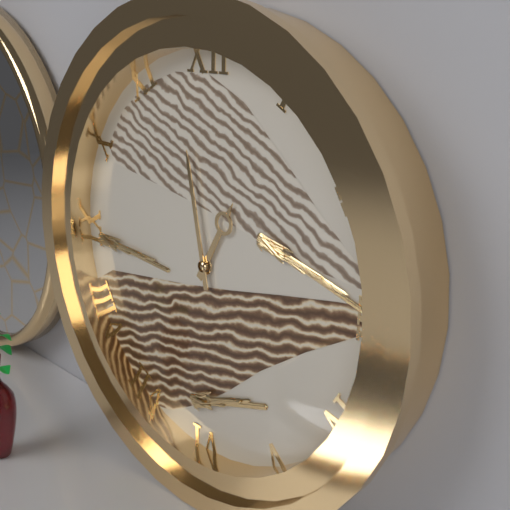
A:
12,58
